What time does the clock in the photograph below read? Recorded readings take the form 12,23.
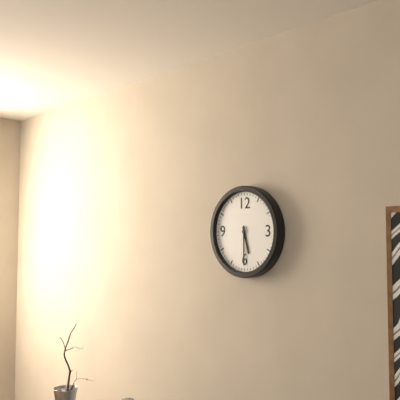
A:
5,30
